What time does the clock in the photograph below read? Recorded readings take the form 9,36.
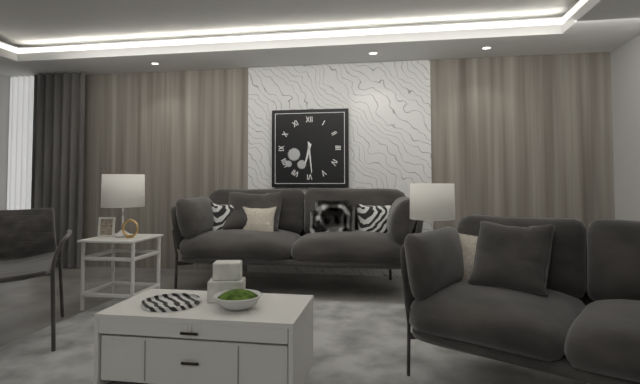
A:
6,29
